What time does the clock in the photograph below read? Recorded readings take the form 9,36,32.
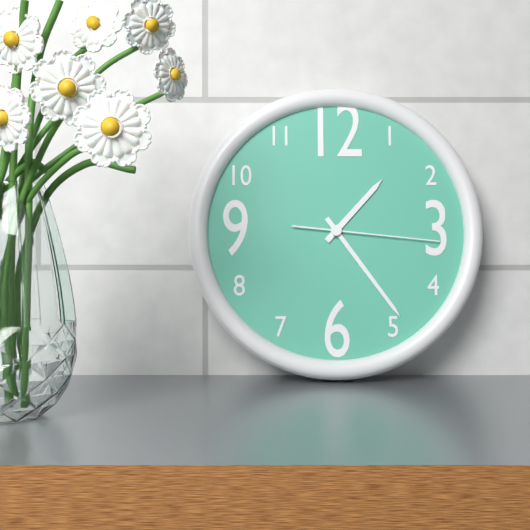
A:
1,24,16
